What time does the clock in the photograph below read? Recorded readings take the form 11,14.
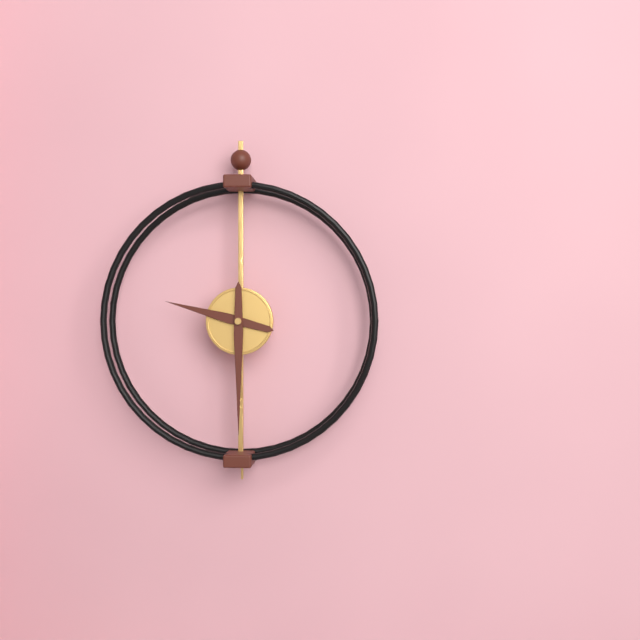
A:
9,30
